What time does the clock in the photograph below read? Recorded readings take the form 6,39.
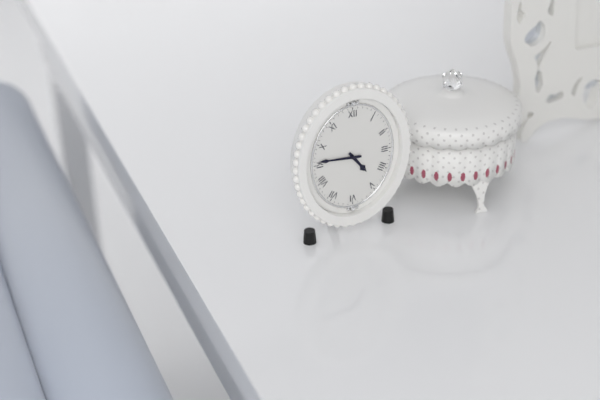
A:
4,46
